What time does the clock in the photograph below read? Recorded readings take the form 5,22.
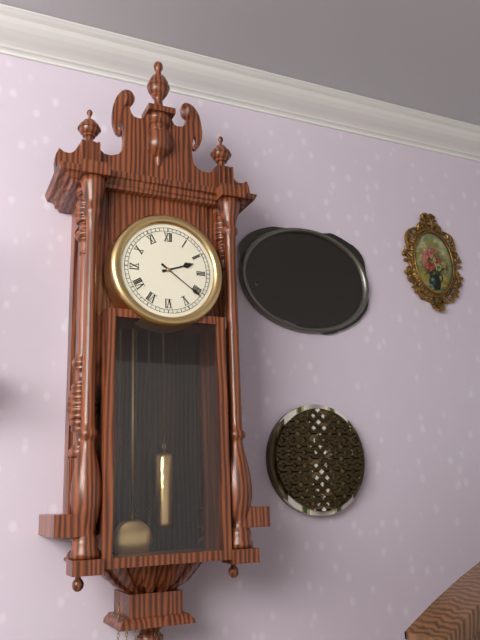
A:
2,21
